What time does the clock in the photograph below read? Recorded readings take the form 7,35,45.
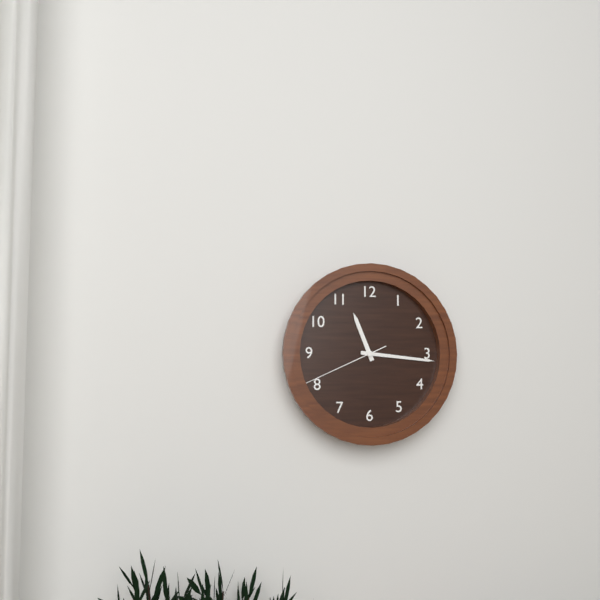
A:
11,16,41
